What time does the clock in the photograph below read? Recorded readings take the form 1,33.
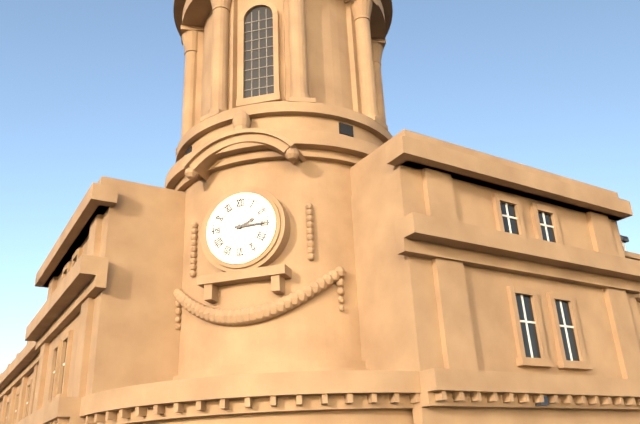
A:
2,15
